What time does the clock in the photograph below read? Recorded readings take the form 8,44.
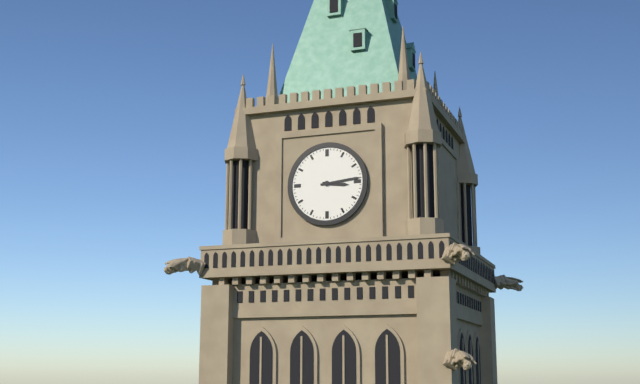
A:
3,14
